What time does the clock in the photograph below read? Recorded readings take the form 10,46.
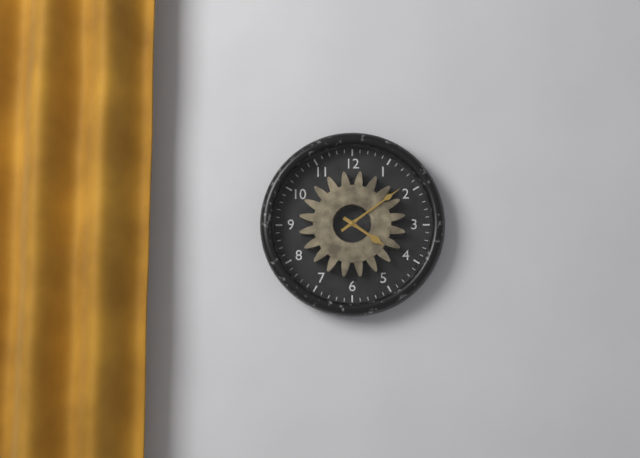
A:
4,09
